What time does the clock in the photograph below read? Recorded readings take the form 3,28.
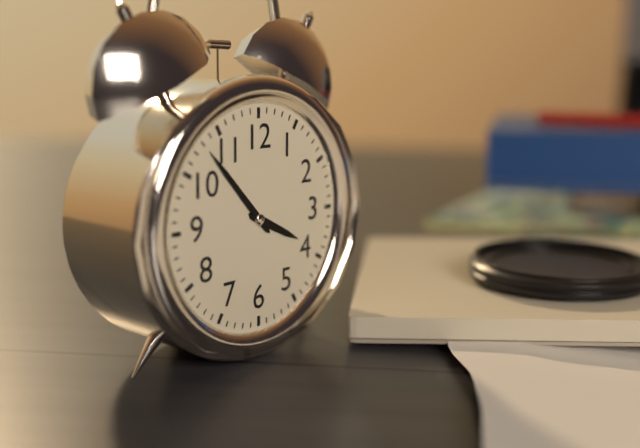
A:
3,53
